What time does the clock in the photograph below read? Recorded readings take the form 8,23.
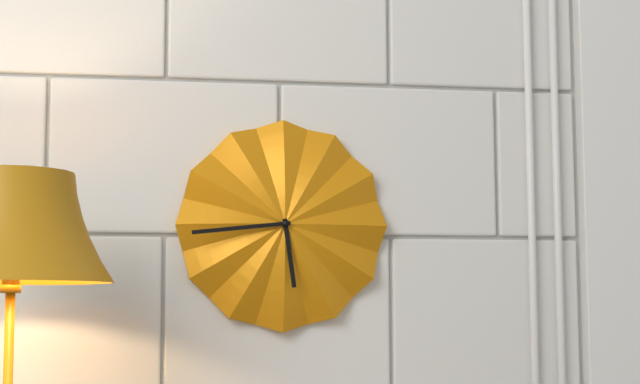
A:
5,44
